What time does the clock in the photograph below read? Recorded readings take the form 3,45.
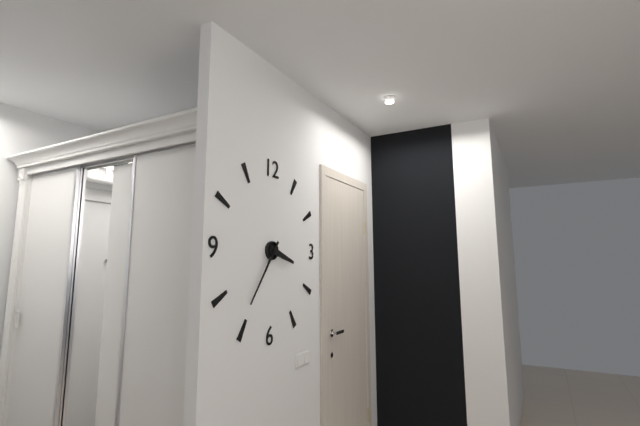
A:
3,36
